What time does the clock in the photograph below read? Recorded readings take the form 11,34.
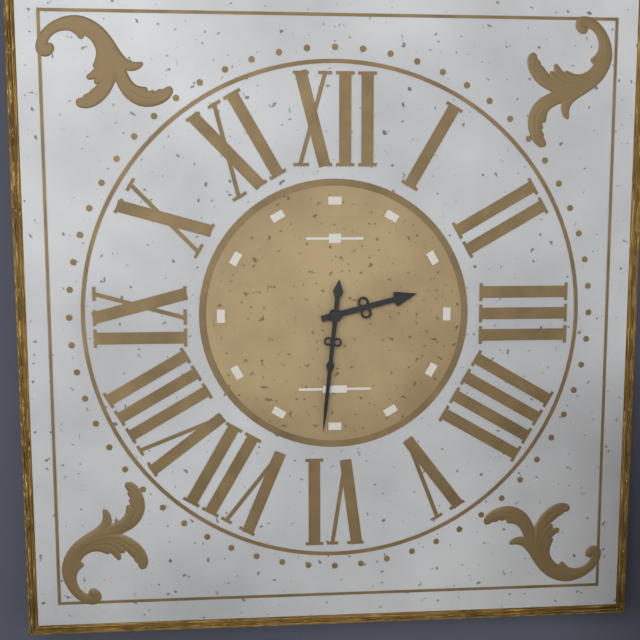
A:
2,31
